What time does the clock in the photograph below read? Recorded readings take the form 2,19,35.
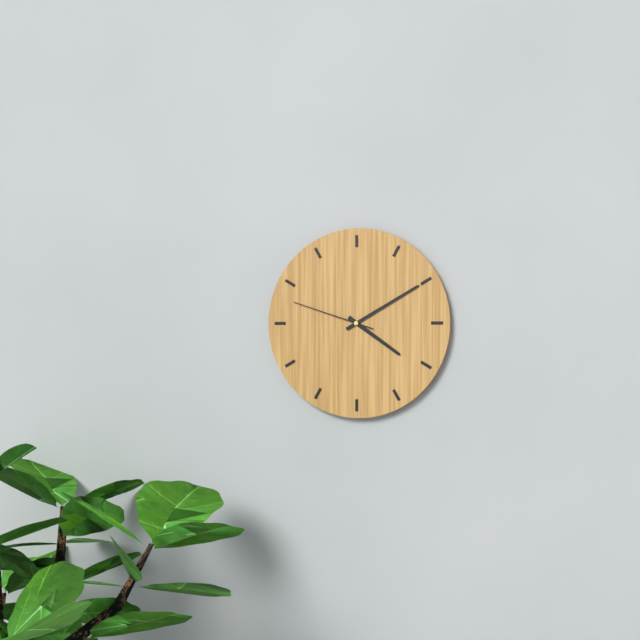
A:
4,10,48
